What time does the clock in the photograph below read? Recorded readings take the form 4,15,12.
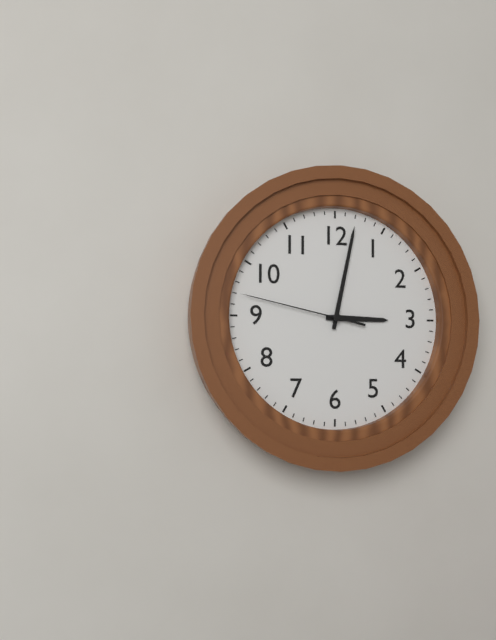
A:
3,02,47
